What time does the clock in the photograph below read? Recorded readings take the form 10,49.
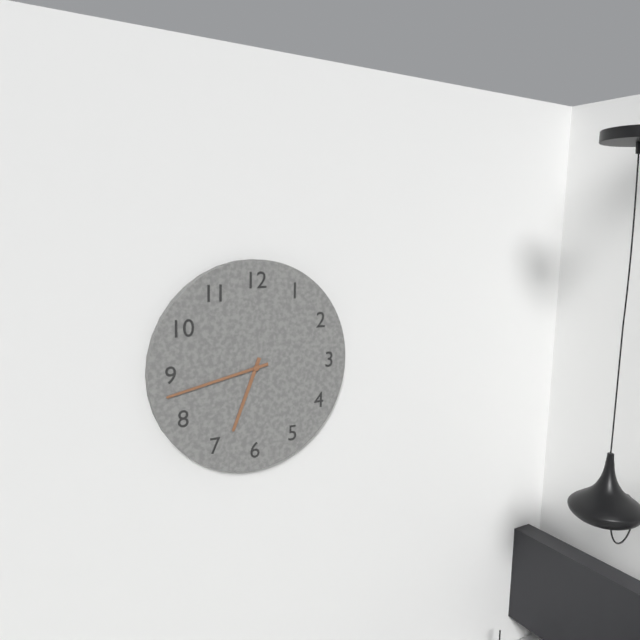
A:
6,43
